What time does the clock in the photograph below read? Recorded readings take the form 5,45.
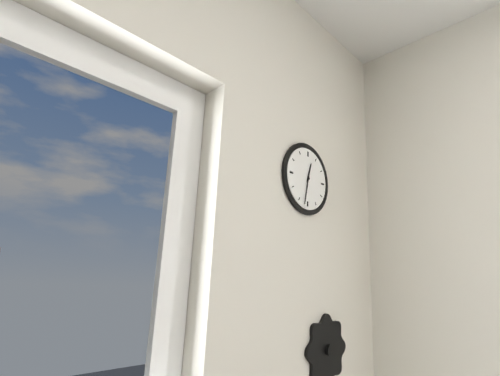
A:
12,32
